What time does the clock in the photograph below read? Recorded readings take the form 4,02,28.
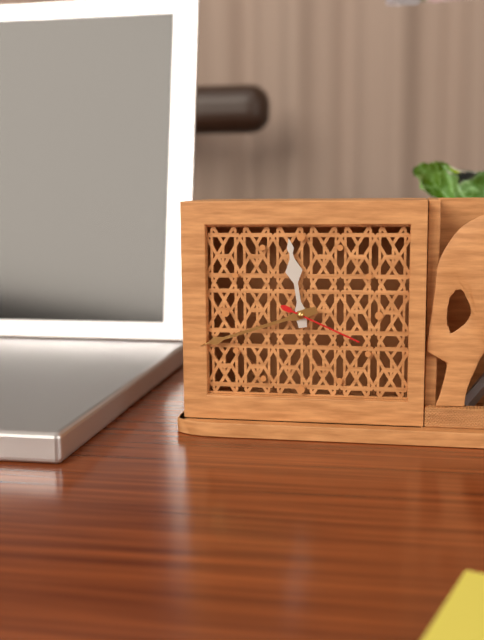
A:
11,42,19
